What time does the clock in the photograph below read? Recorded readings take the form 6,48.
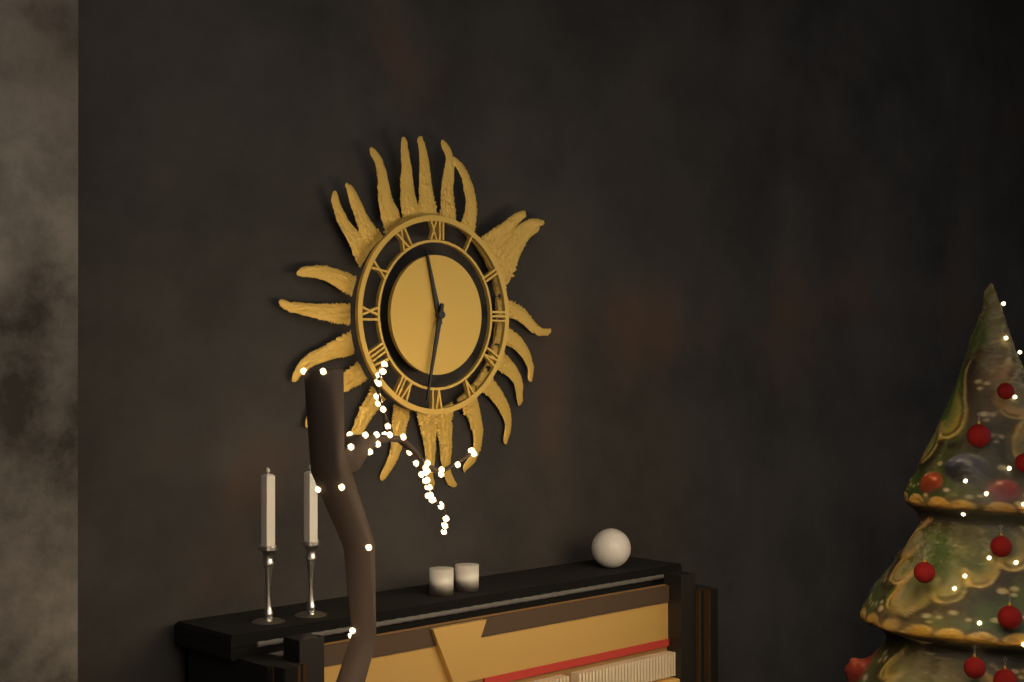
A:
11,32
